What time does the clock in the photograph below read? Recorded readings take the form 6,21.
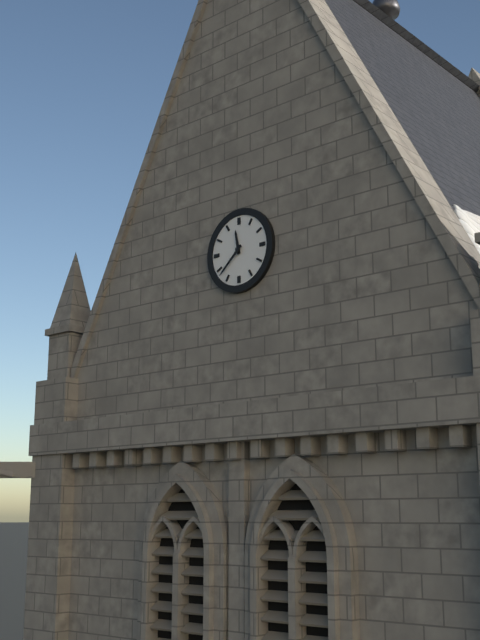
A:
11,38
